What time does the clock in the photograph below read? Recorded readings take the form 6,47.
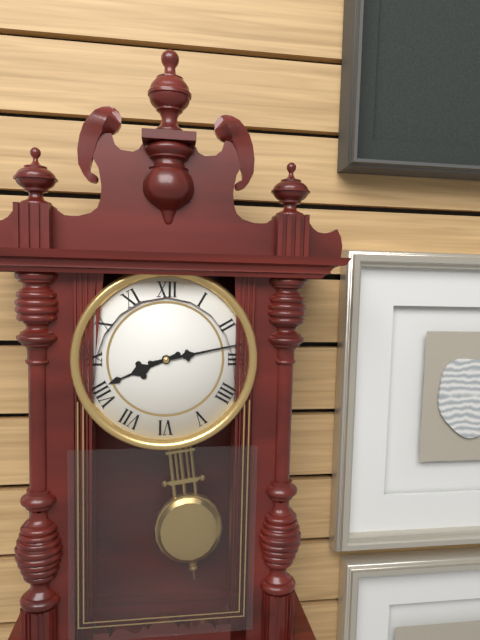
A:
8,13
